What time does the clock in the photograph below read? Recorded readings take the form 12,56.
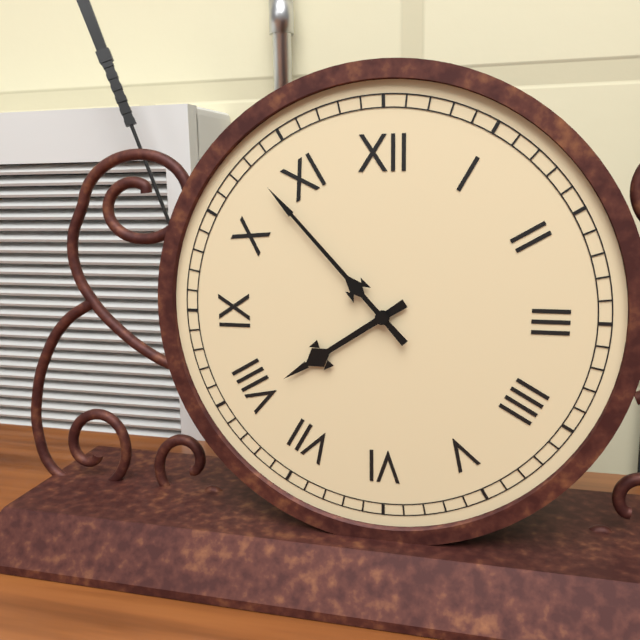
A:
7,53
